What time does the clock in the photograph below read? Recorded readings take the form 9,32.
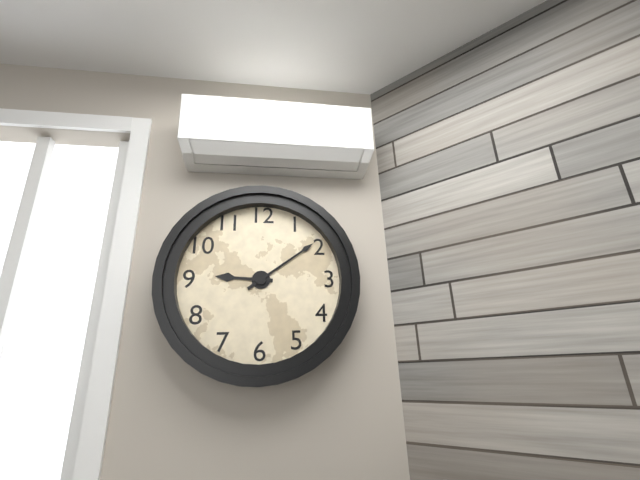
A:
9,09
